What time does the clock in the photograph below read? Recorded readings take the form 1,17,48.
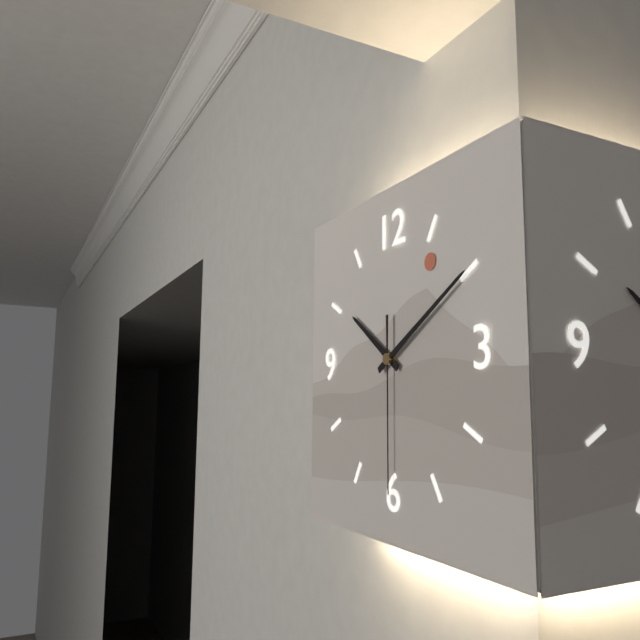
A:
10,10,30
